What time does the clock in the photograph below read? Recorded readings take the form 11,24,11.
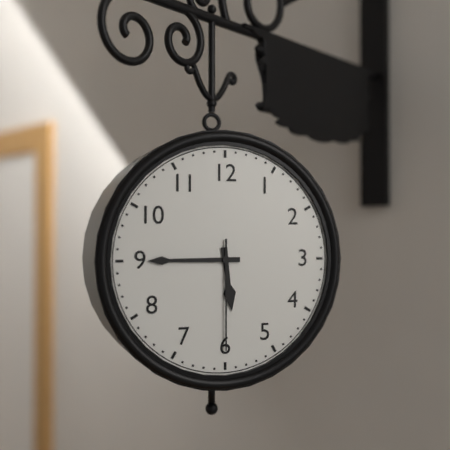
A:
5,45,30
